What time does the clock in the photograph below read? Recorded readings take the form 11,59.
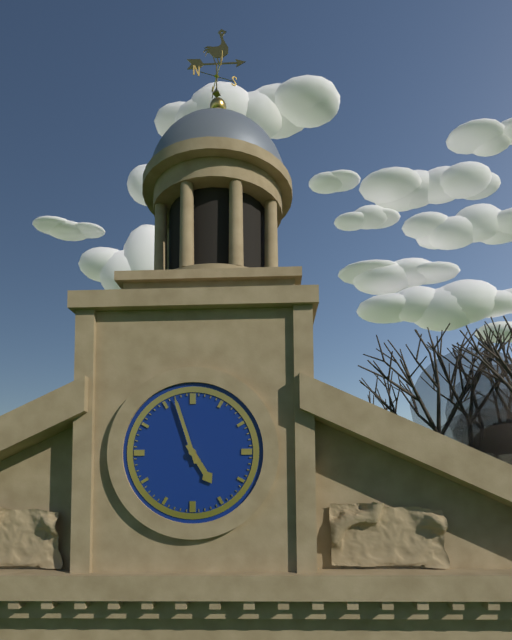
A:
4,57
